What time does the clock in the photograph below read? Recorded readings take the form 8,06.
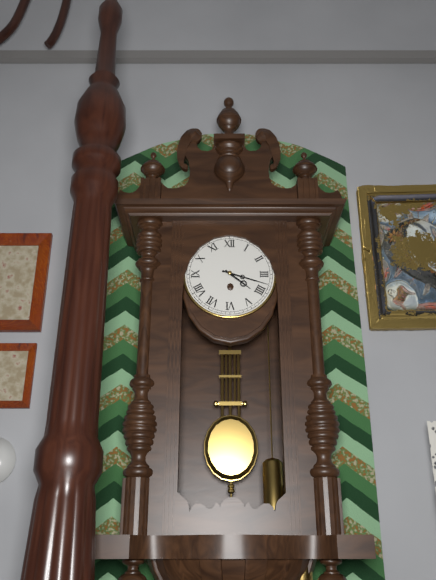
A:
4,18
